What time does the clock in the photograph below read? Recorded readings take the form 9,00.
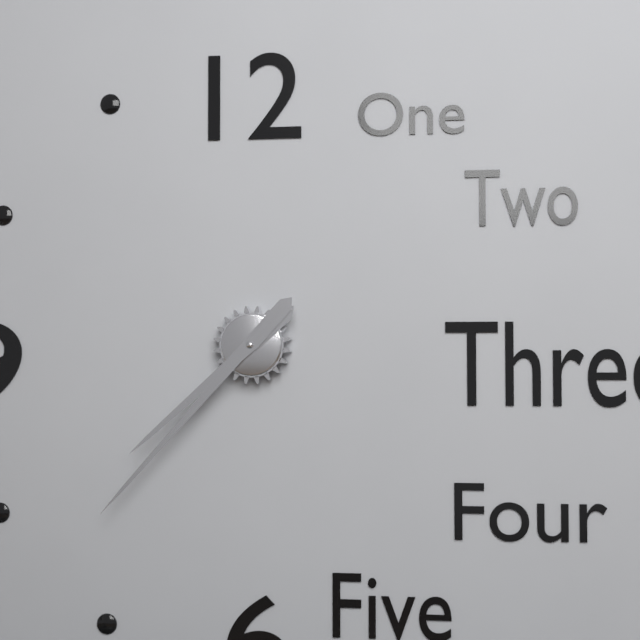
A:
7,37
